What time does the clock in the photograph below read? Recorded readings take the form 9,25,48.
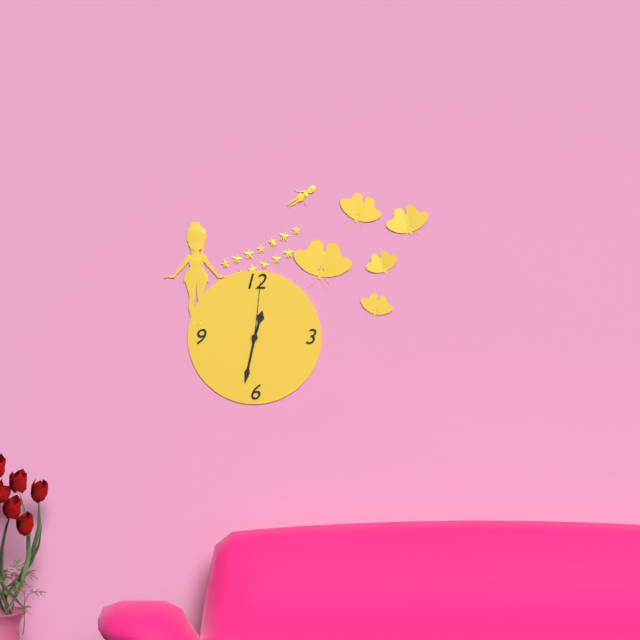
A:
12,32,01
